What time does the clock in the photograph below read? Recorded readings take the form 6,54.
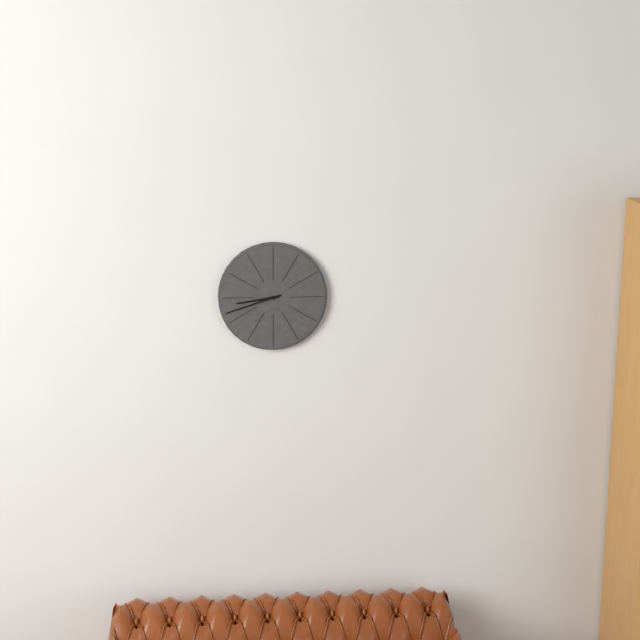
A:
8,42
